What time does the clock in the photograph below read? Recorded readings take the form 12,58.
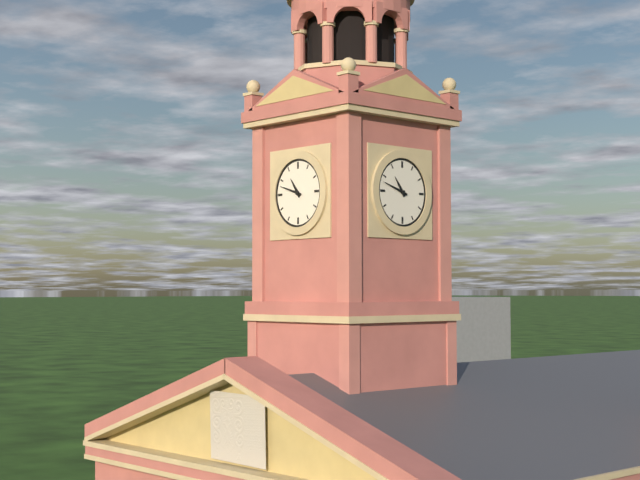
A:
10,48
